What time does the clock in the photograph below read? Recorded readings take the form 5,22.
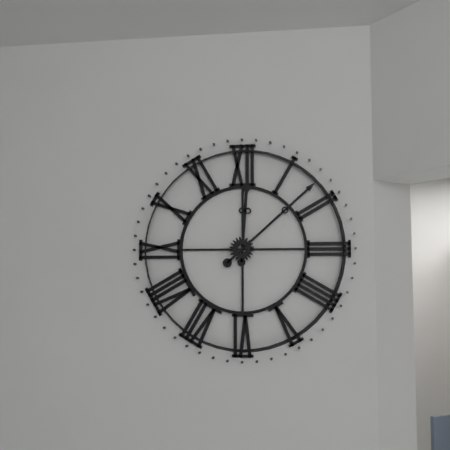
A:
12,08
